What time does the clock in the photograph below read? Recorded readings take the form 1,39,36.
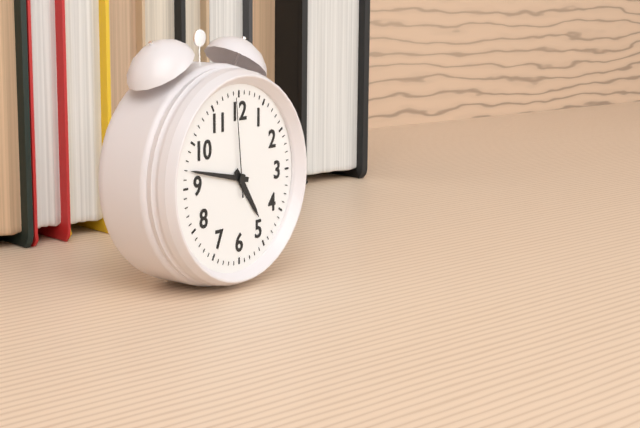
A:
4,47,59
